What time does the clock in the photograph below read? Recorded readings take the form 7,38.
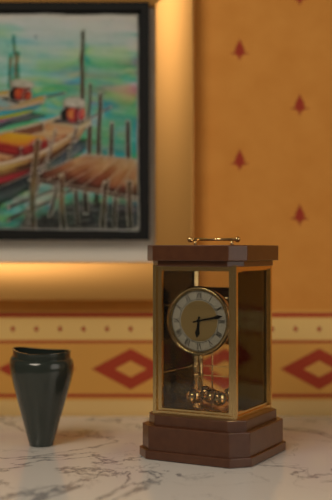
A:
6,13
